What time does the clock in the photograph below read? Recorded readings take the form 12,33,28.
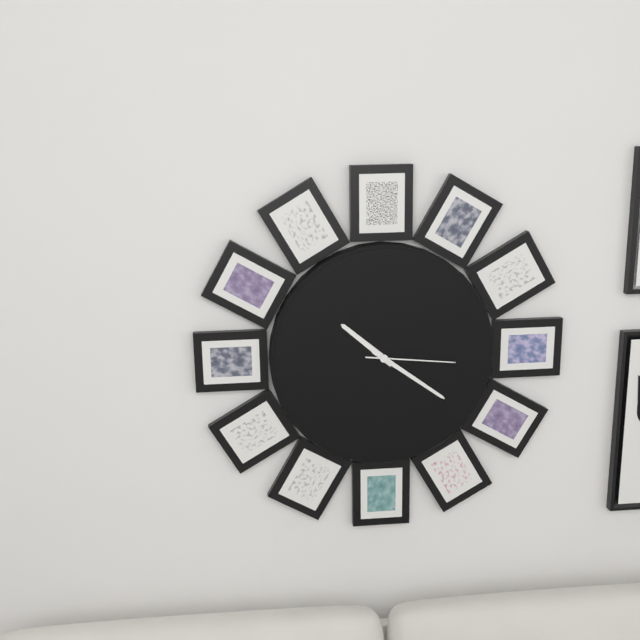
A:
10,21,16
